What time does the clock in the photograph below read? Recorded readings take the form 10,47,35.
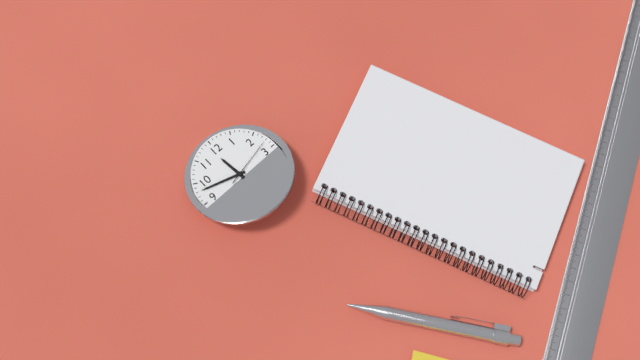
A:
11,48,13
